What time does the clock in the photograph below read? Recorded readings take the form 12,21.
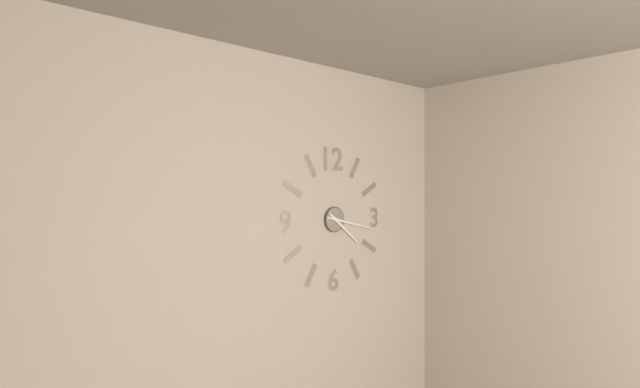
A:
4,17
